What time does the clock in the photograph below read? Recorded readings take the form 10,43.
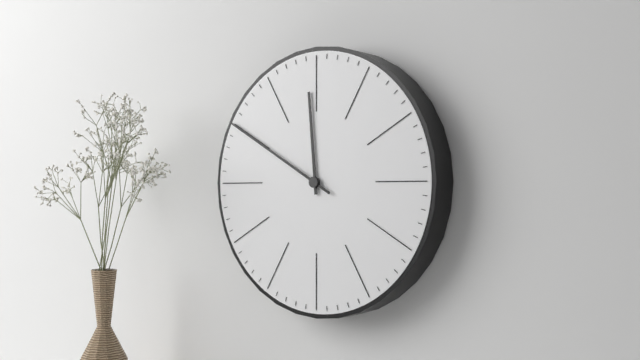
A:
11,50
